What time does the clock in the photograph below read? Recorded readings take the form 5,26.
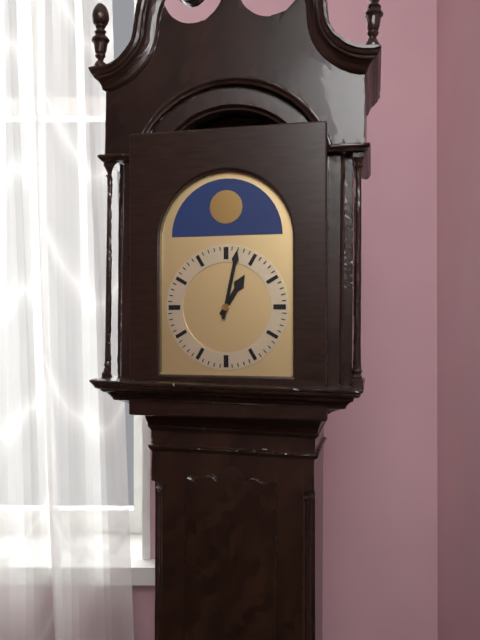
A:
1,02
